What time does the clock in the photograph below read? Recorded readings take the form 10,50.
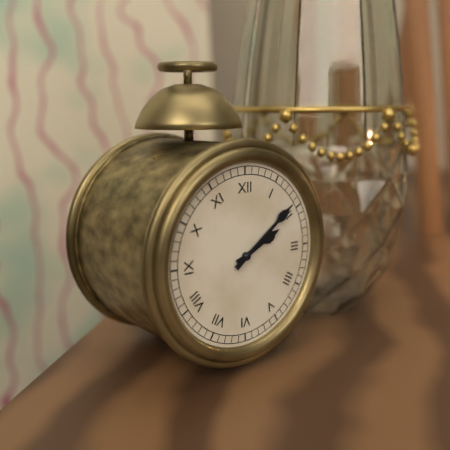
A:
2,09
